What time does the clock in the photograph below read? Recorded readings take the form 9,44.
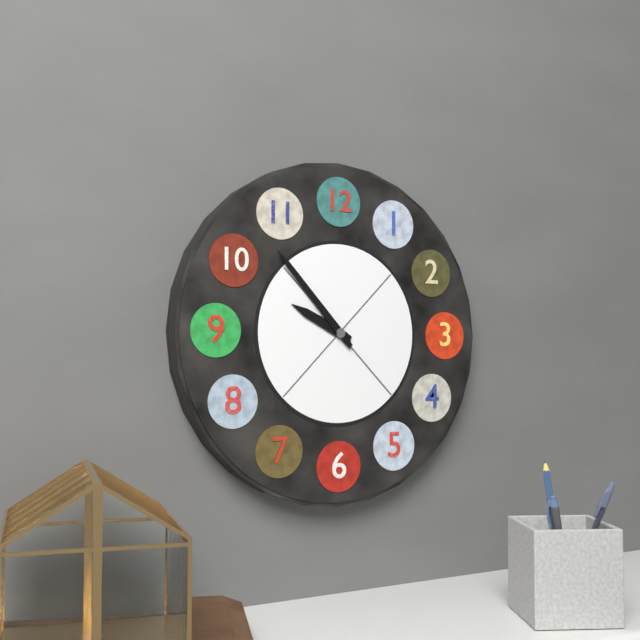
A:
9,53
